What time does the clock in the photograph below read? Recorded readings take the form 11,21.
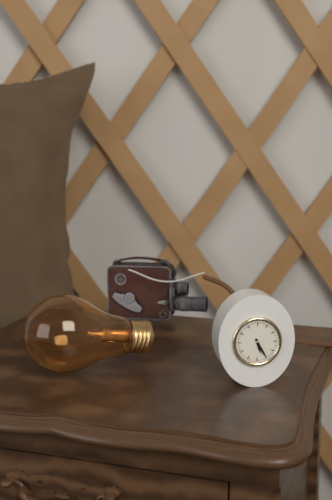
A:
5,25
